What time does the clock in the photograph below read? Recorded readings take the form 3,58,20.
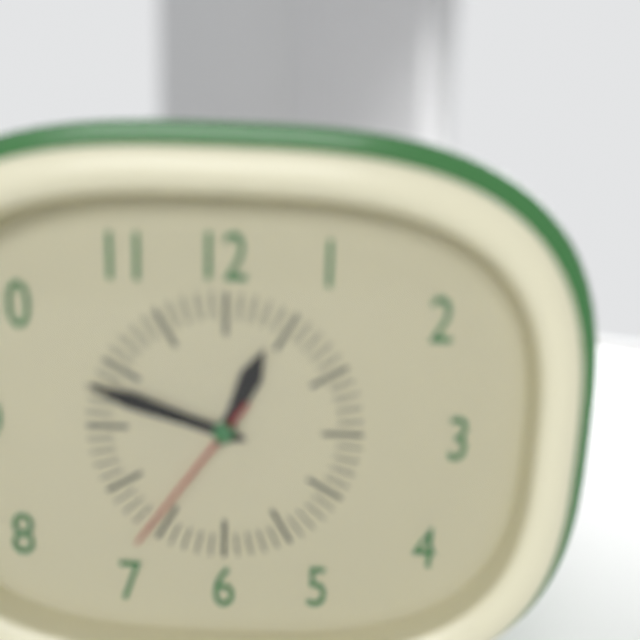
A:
12,48,36
